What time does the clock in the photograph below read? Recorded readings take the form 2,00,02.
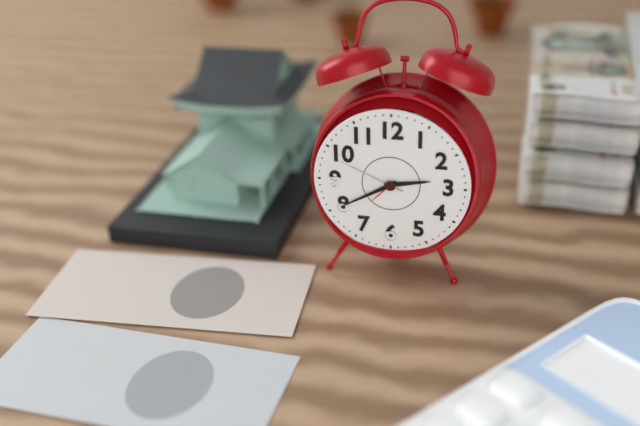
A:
2,40,49
